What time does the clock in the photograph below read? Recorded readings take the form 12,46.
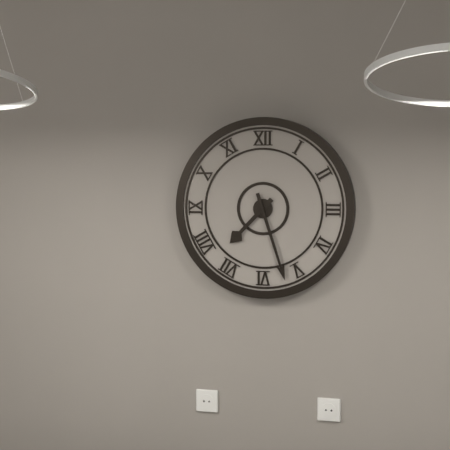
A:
7,27
